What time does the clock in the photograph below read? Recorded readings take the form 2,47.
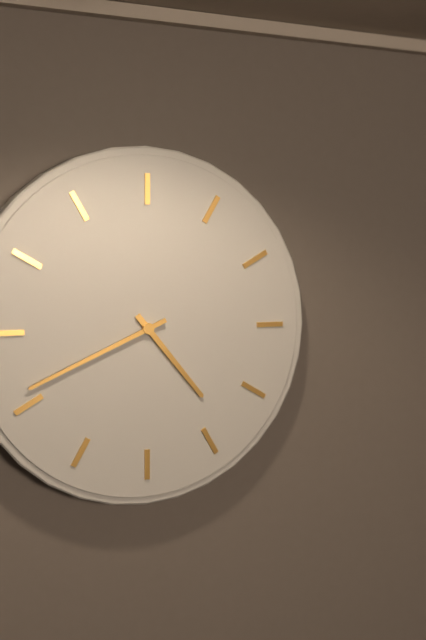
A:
4,41
